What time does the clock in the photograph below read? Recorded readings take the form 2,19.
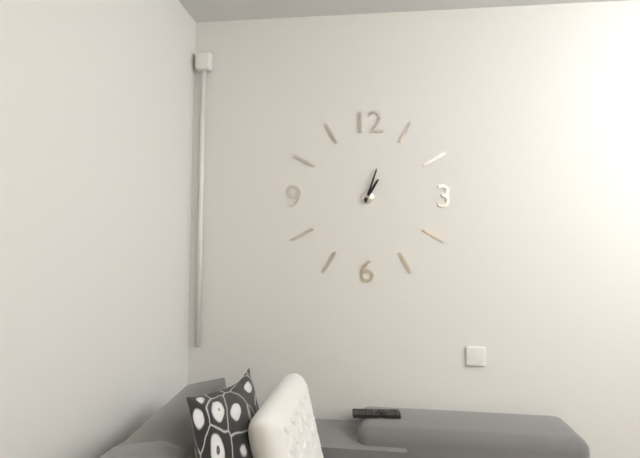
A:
1,03
